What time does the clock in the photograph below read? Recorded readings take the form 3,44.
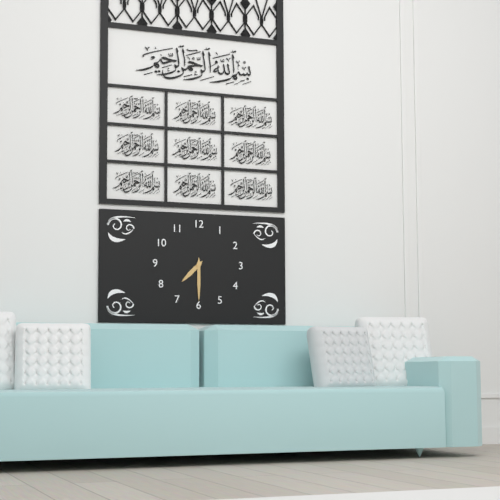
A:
7,30
